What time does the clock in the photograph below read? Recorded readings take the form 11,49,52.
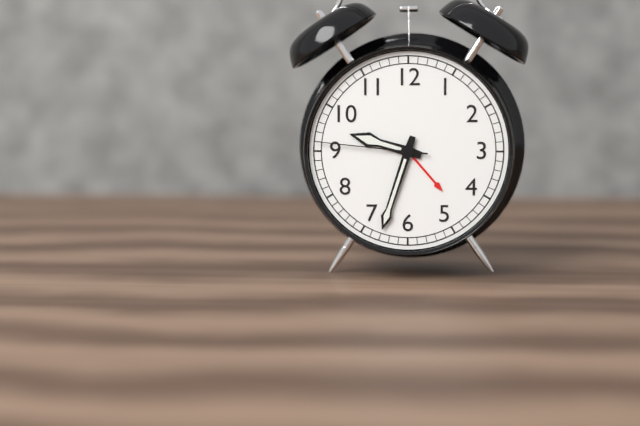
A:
9,33,46
